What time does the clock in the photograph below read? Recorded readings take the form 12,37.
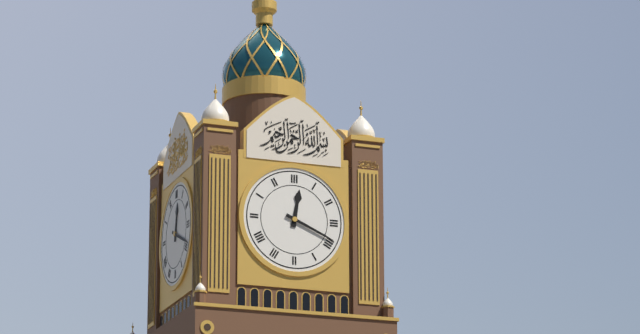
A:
12,19
